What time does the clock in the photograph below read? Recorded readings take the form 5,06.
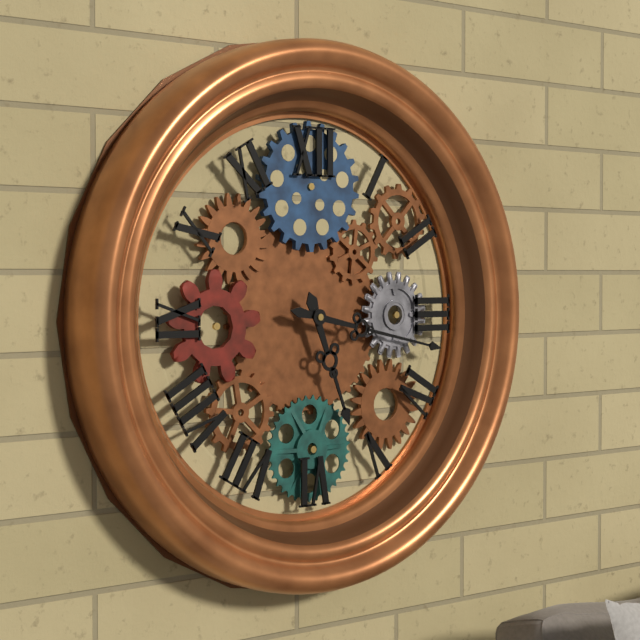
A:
5,17
